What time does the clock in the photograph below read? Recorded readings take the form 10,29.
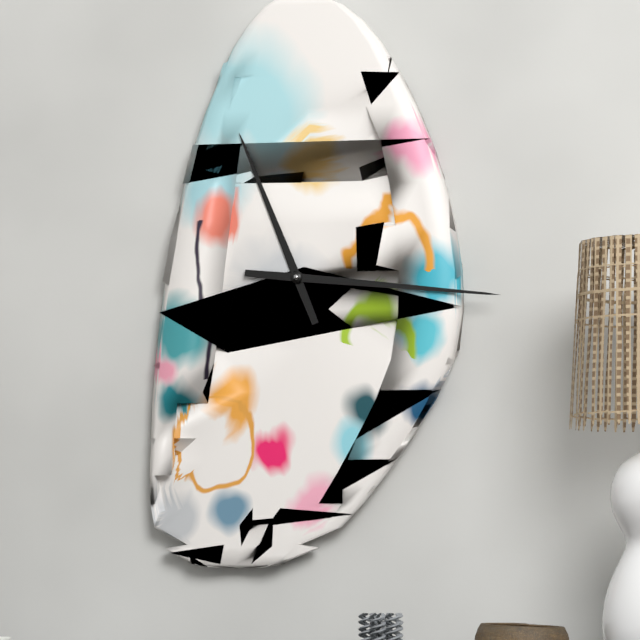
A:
11,16
